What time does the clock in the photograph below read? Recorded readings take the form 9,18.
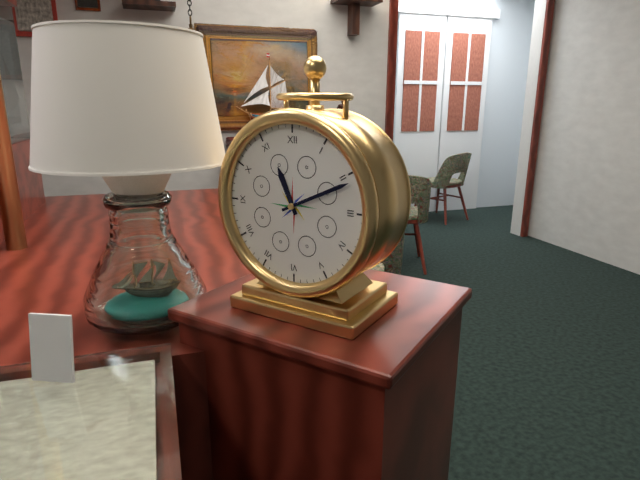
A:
11,11
